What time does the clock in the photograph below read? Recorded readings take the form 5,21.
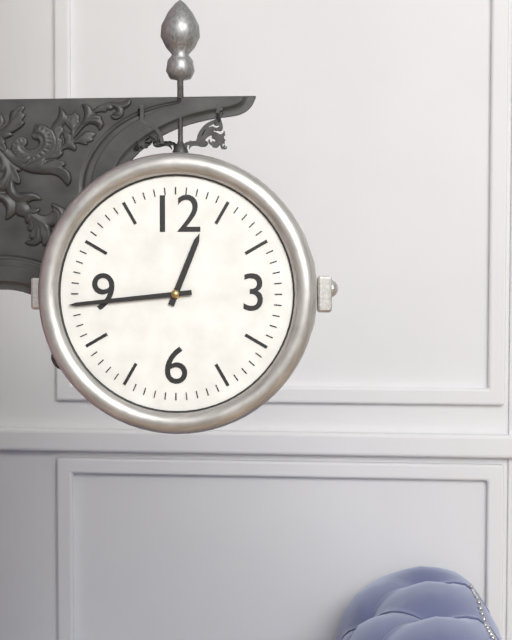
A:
12,44
